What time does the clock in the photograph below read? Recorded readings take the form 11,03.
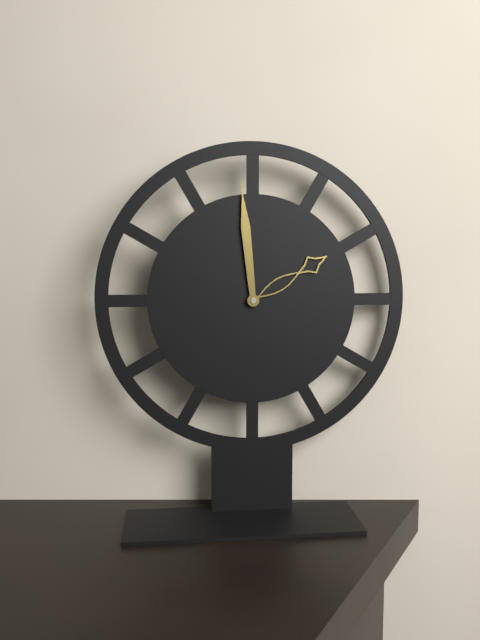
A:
1,59
